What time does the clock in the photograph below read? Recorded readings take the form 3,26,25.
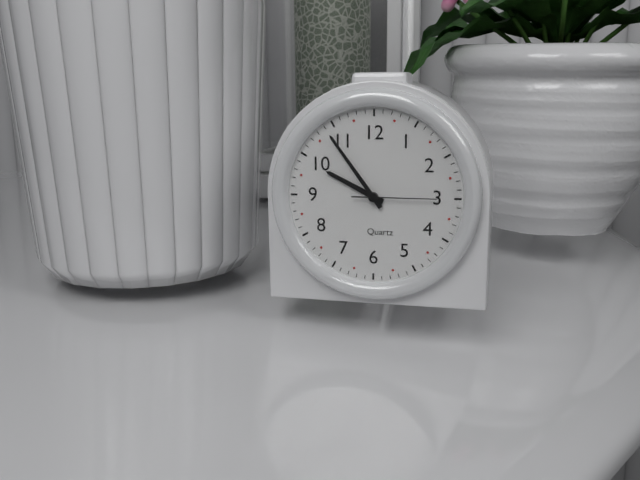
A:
9,54,15
